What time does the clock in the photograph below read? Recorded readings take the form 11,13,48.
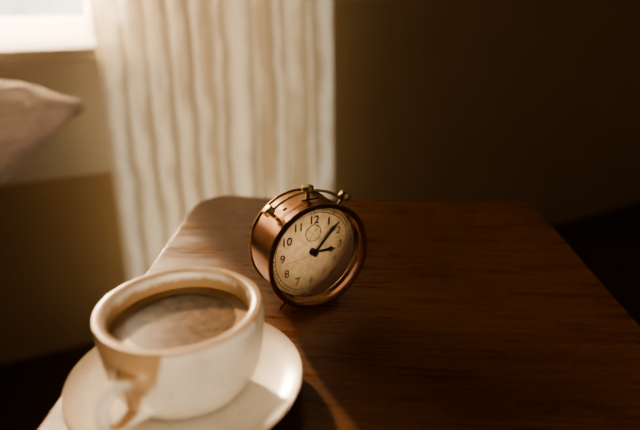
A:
3,07,44
